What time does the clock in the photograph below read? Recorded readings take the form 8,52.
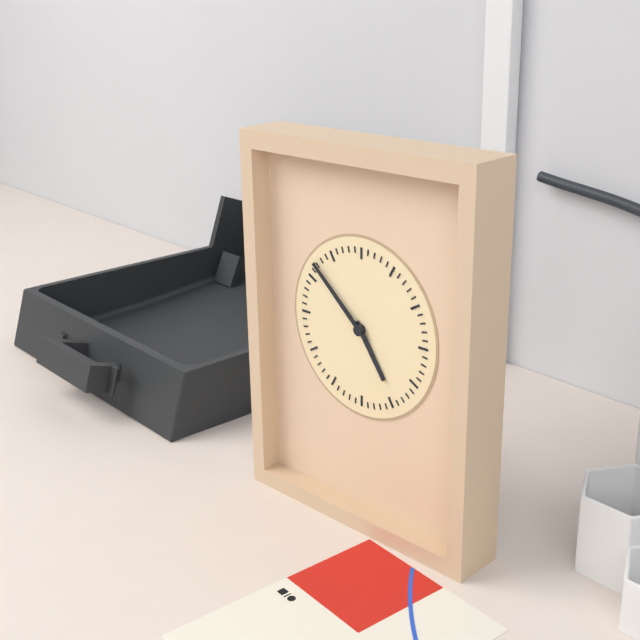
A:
4,52
